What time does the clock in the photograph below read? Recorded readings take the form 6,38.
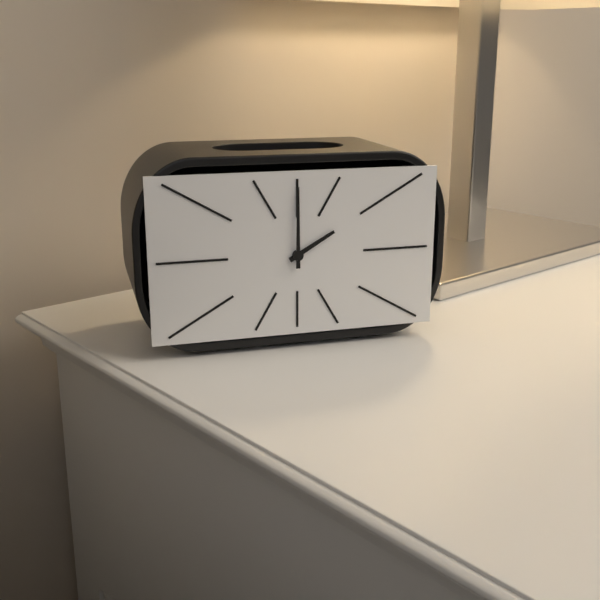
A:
2,00
